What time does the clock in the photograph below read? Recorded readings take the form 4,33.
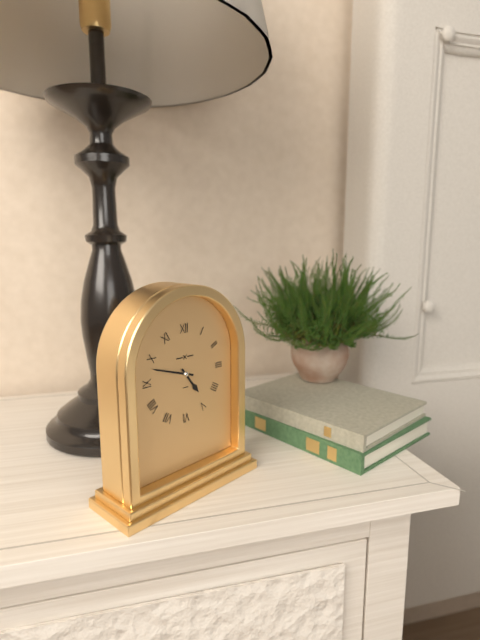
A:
4,48
